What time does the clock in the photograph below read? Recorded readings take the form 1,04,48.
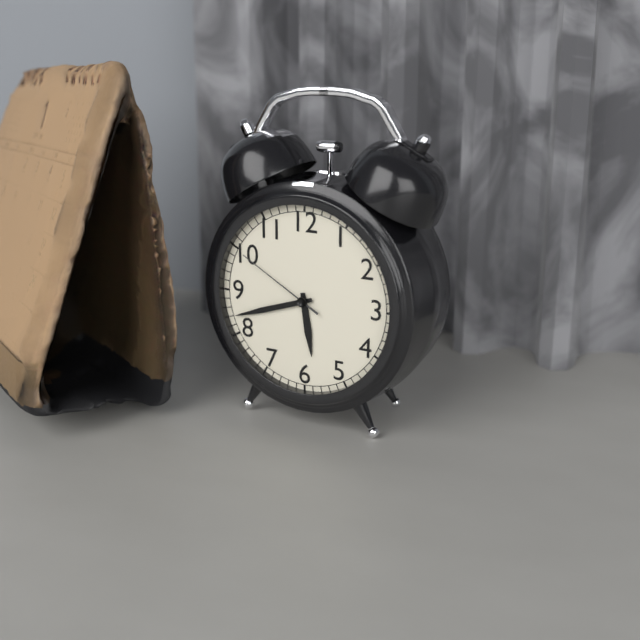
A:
5,42,50
